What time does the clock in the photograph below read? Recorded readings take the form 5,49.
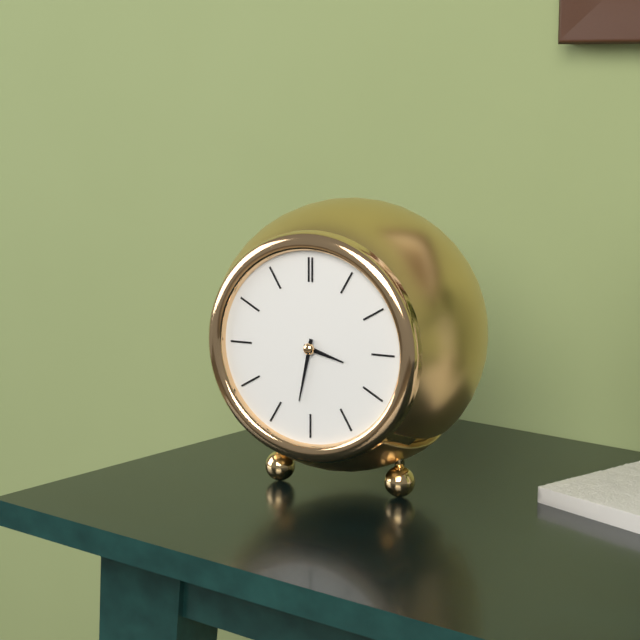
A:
3,32
